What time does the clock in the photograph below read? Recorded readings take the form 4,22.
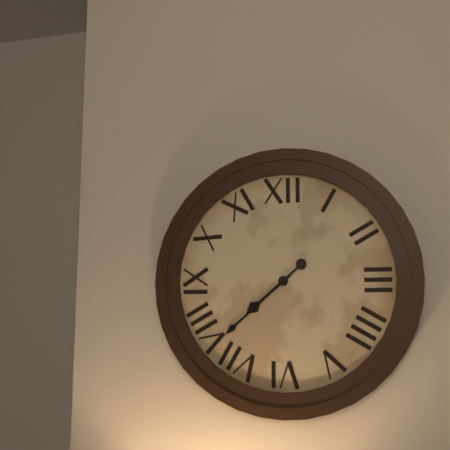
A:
7,38
